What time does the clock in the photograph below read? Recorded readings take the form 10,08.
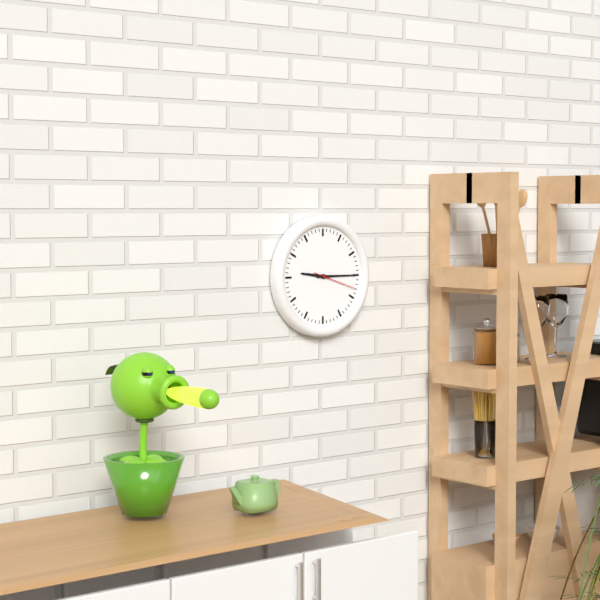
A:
9,15
